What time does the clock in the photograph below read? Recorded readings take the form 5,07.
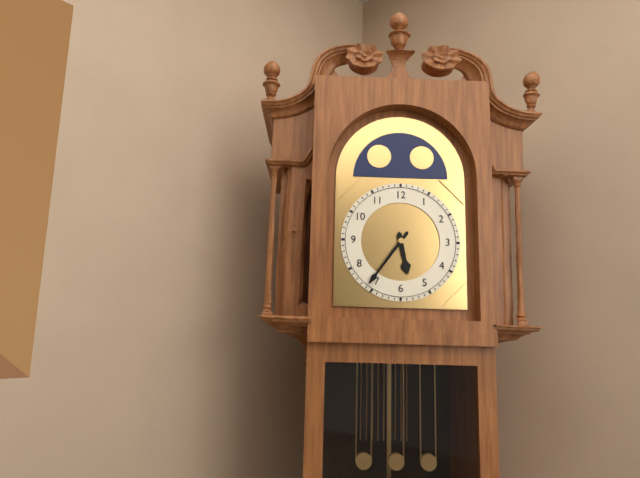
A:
5,36
